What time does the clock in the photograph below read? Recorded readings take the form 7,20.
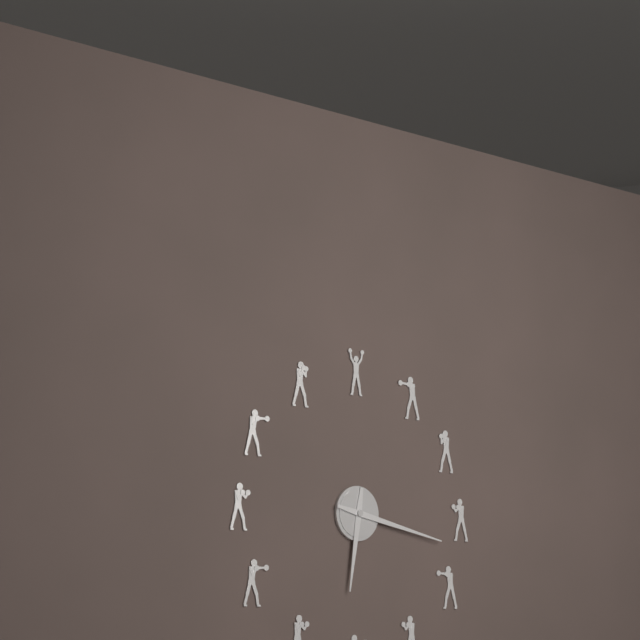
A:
6,17
